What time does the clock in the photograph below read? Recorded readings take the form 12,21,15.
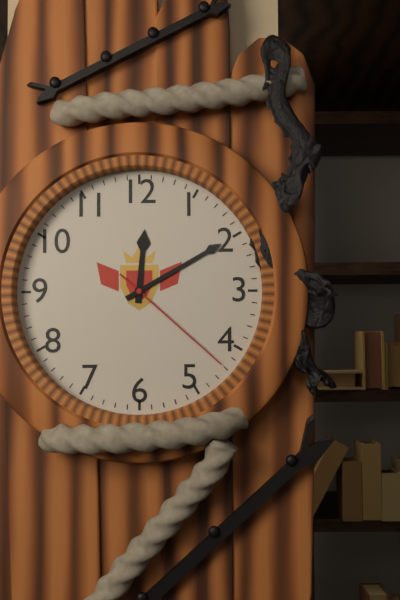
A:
12,10,22
